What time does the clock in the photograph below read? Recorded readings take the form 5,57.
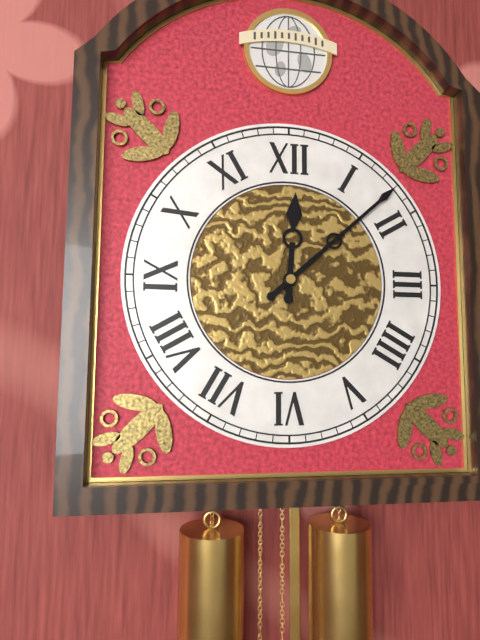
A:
12,08
